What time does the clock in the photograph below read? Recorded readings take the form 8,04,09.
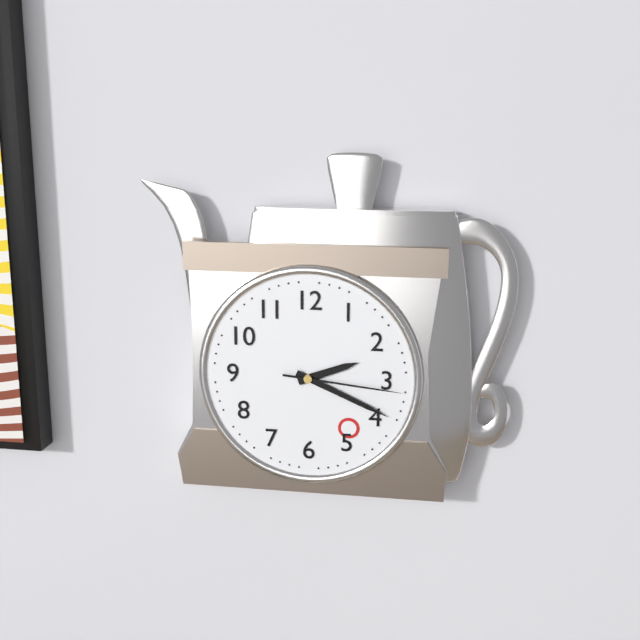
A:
2,19,16
